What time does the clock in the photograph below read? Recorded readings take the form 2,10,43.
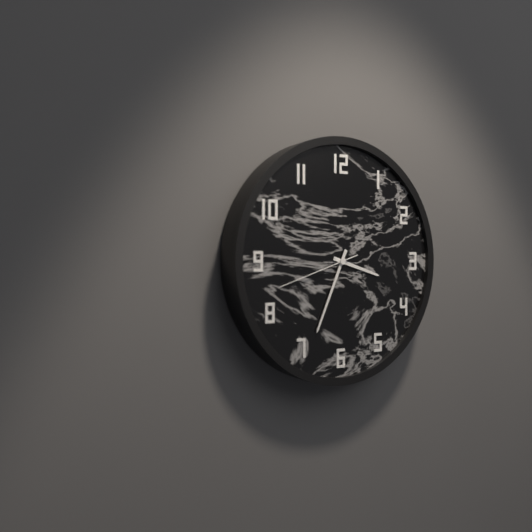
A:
3,34,42
